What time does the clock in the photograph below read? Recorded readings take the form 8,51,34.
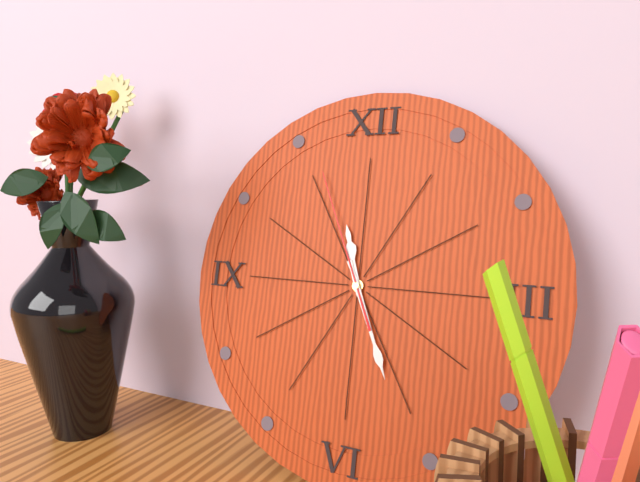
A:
11,26,56
